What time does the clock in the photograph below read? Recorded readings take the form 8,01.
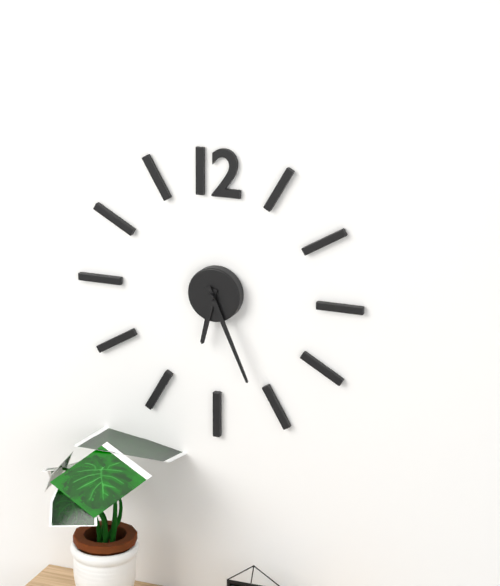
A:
6,26
